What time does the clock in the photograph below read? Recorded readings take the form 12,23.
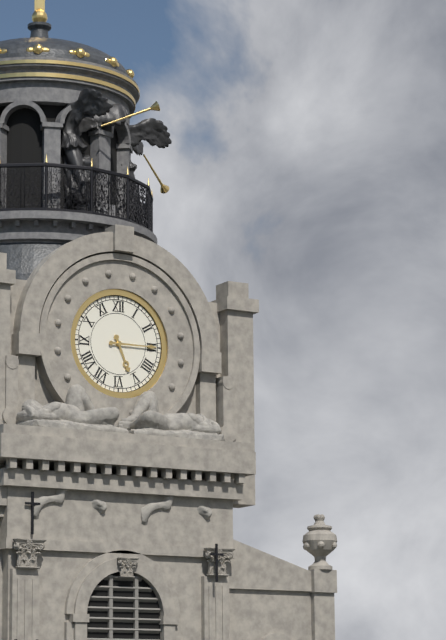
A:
5,15
